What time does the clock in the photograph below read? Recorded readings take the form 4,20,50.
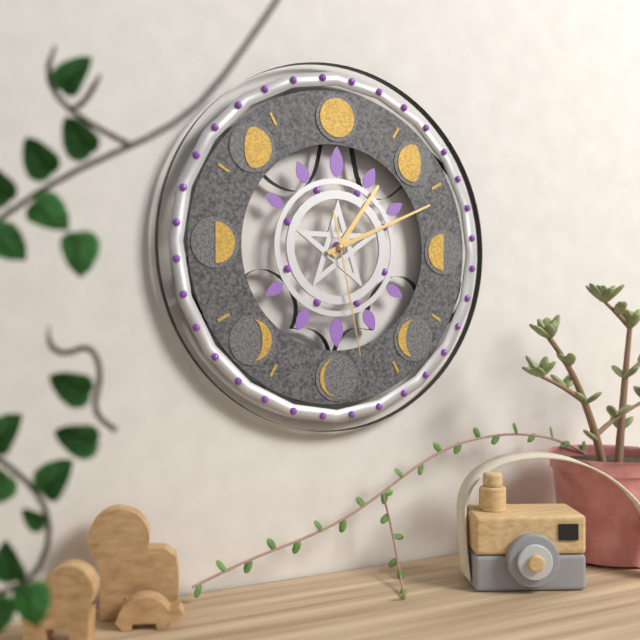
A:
1,11,28
